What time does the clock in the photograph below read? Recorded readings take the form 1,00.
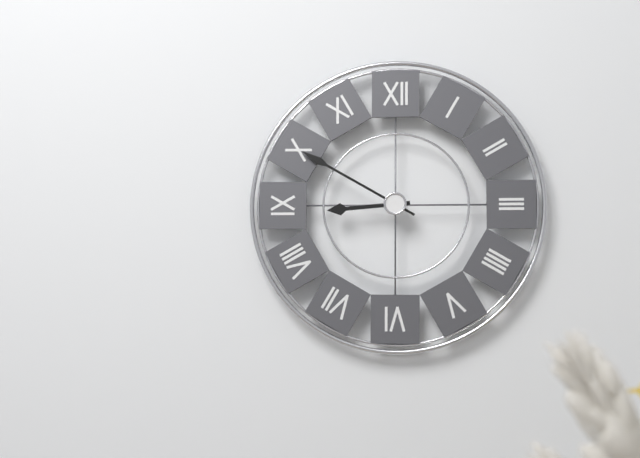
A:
8,50
